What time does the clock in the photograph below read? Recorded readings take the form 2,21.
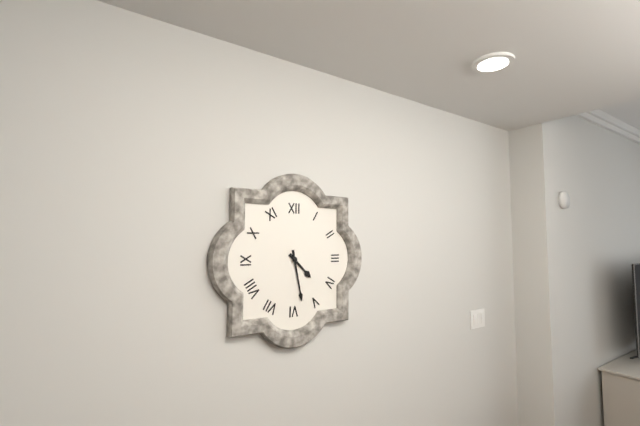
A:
4,28
